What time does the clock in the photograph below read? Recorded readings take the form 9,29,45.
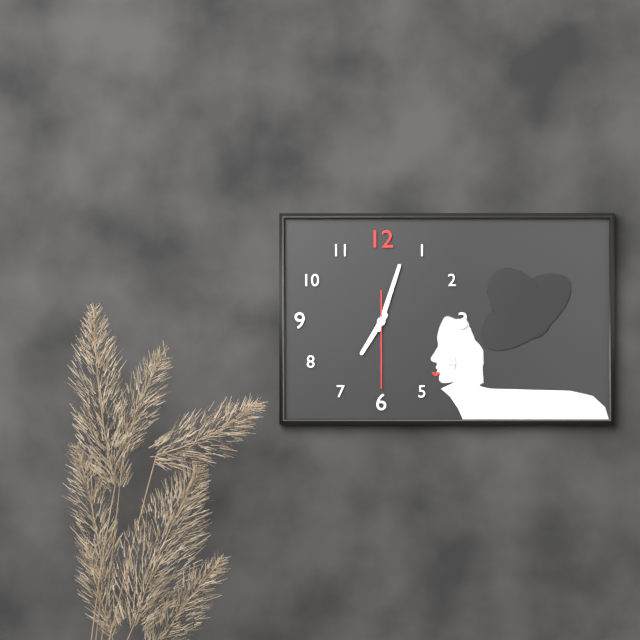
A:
7,03,30
